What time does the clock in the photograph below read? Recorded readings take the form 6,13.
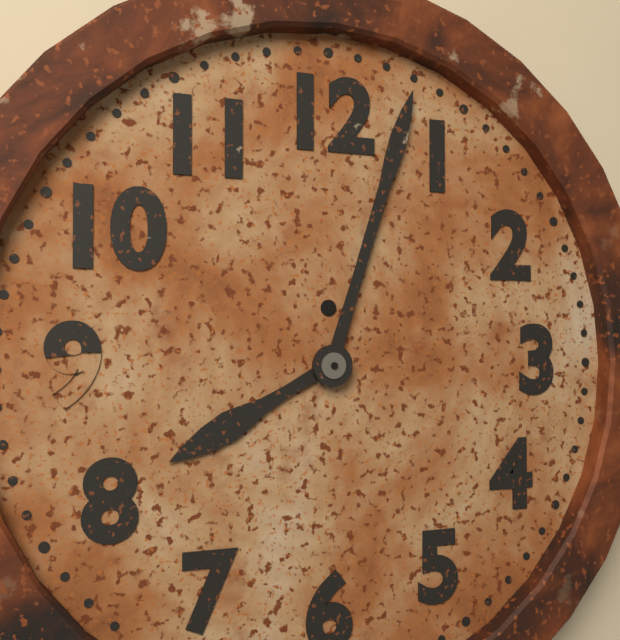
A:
8,03
